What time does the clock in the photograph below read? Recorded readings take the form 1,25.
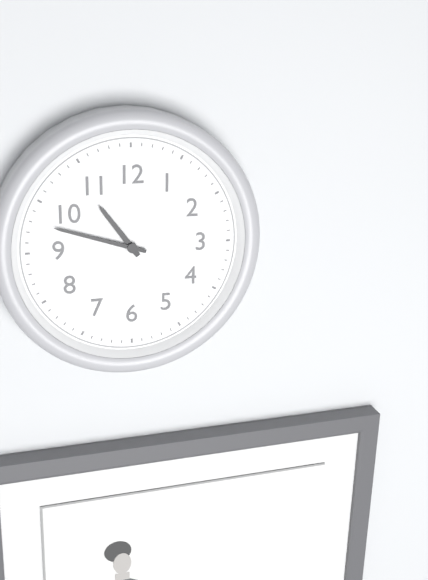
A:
10,48
